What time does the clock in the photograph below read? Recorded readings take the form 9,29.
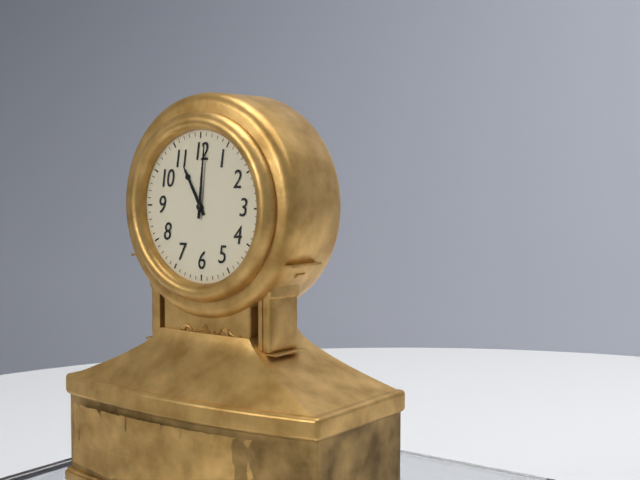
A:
11,01
